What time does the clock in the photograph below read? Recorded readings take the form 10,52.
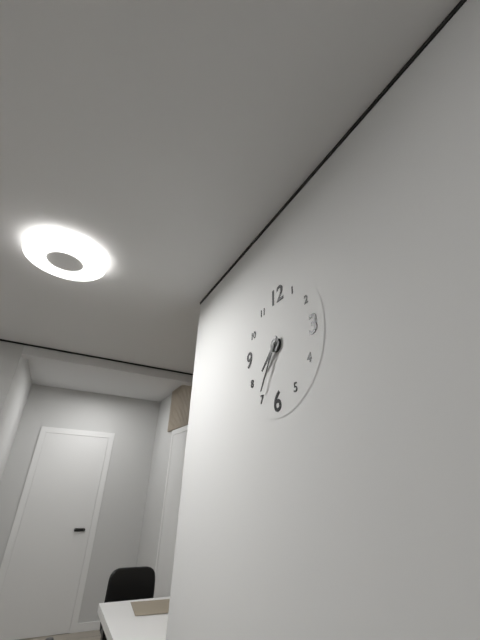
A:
7,35
